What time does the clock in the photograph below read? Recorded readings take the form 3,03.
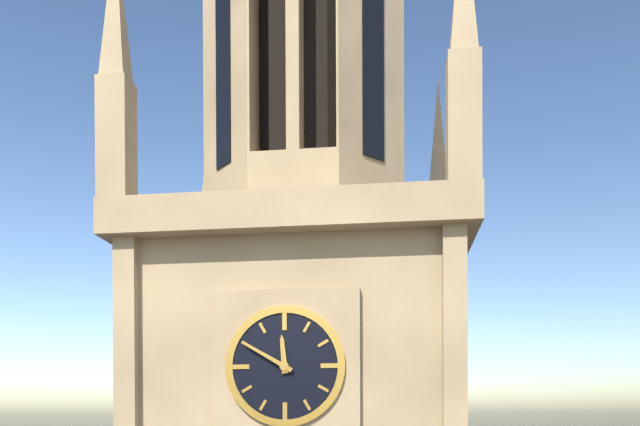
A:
11,50
